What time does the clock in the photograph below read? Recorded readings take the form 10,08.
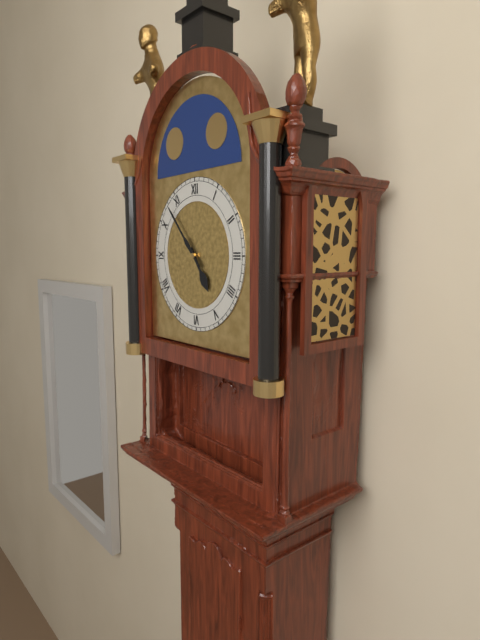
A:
4,53
